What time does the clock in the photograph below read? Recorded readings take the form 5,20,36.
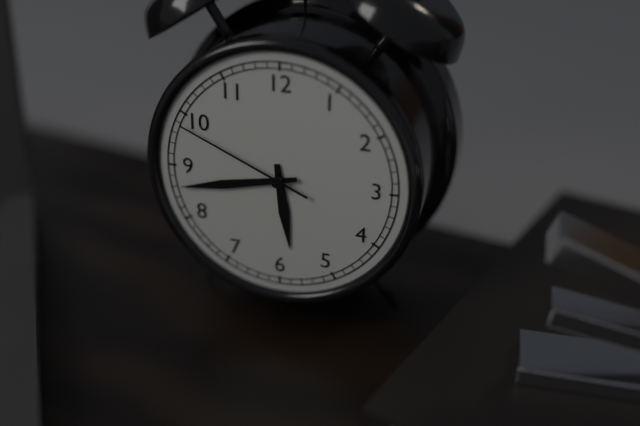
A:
5,43,49
